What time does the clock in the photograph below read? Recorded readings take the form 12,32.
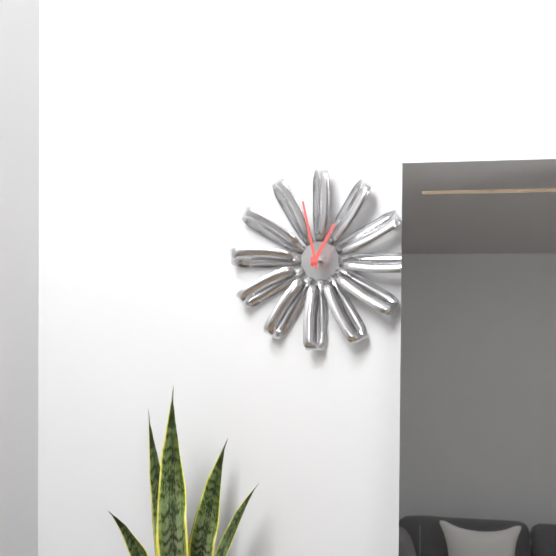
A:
12,58
